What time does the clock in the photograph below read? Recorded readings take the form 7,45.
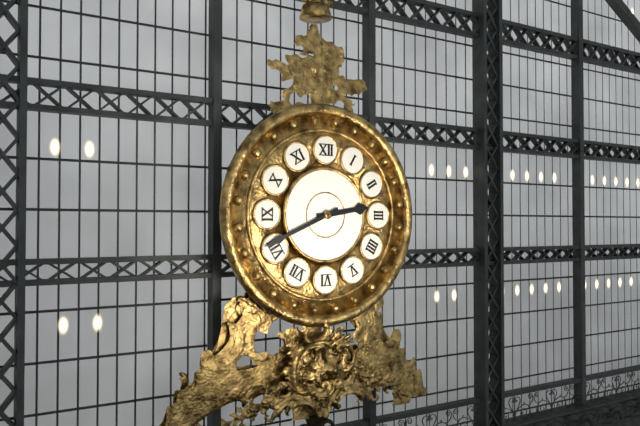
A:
2,41
